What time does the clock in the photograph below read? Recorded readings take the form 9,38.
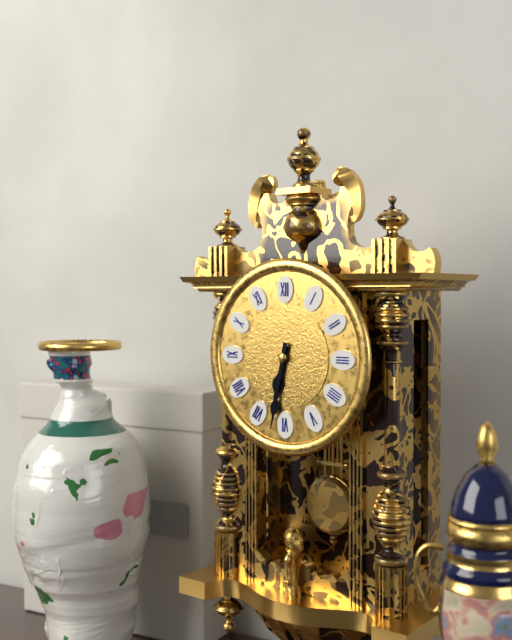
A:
6,32
